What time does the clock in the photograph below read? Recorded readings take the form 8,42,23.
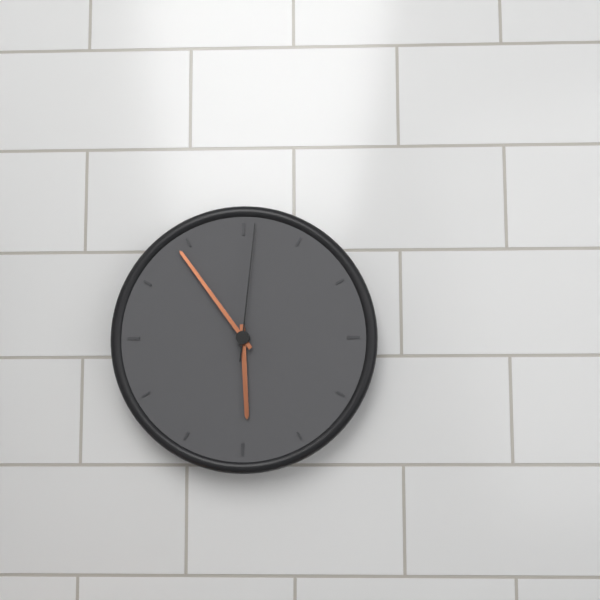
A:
5,54,01
